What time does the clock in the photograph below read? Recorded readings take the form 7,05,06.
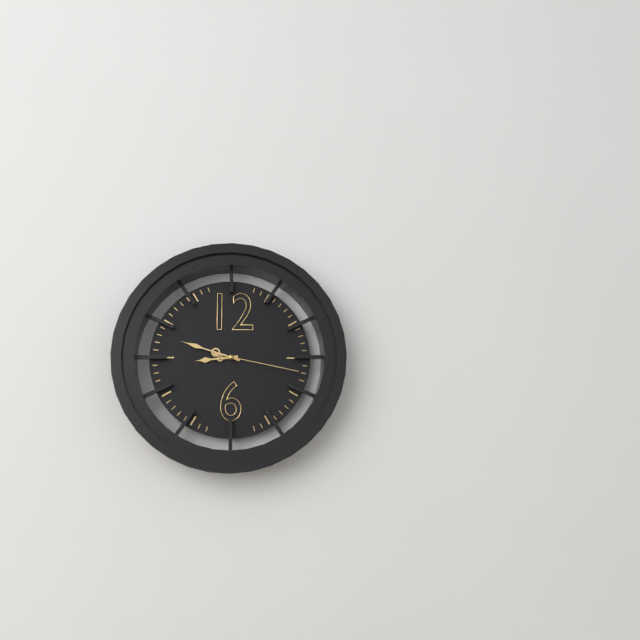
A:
8,48,17
